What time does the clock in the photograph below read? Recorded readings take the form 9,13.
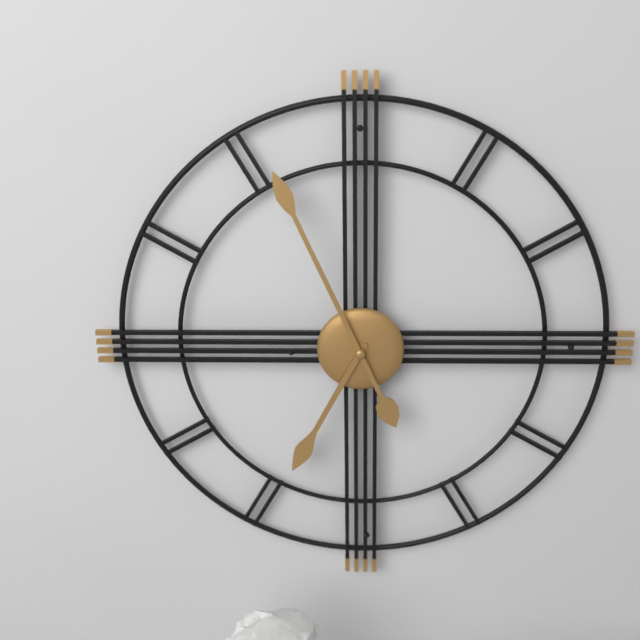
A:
6,56
